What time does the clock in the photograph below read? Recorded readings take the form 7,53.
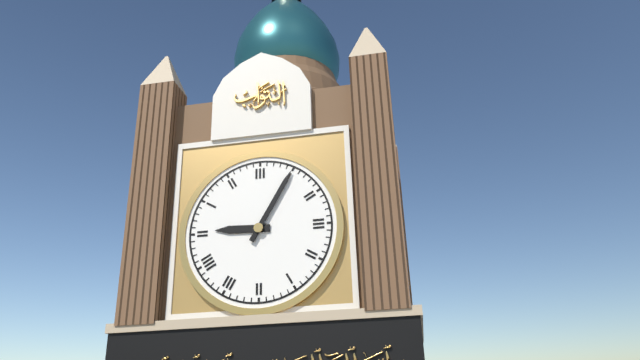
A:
9,05
